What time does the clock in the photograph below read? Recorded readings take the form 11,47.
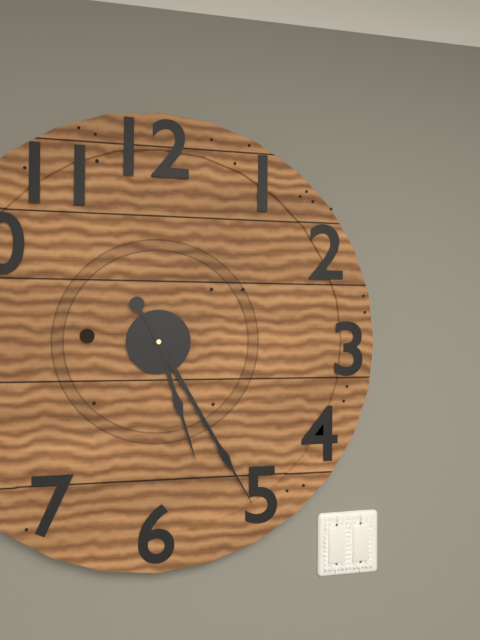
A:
5,25
